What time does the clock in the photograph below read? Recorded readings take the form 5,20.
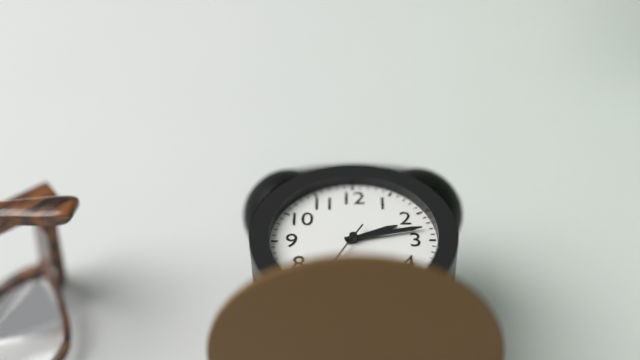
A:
2,13
